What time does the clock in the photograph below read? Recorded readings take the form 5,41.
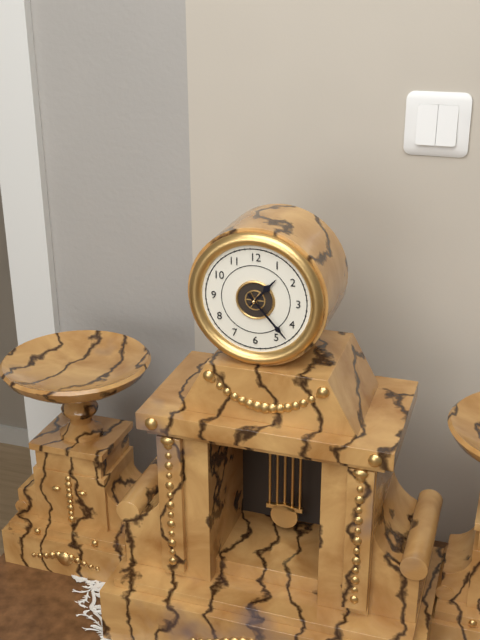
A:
1,23
